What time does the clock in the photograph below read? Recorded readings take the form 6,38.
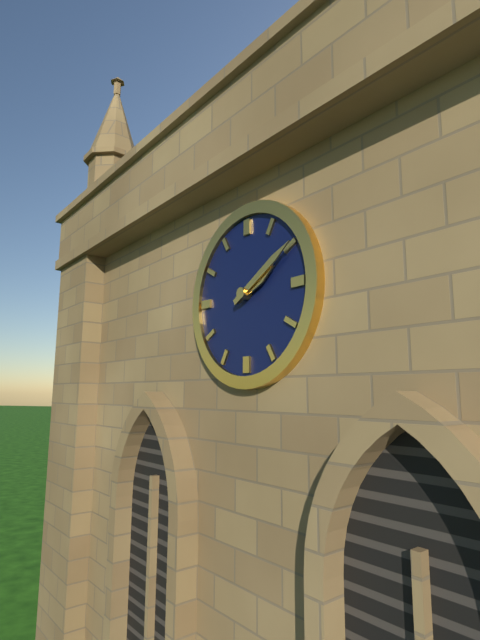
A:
2,10
